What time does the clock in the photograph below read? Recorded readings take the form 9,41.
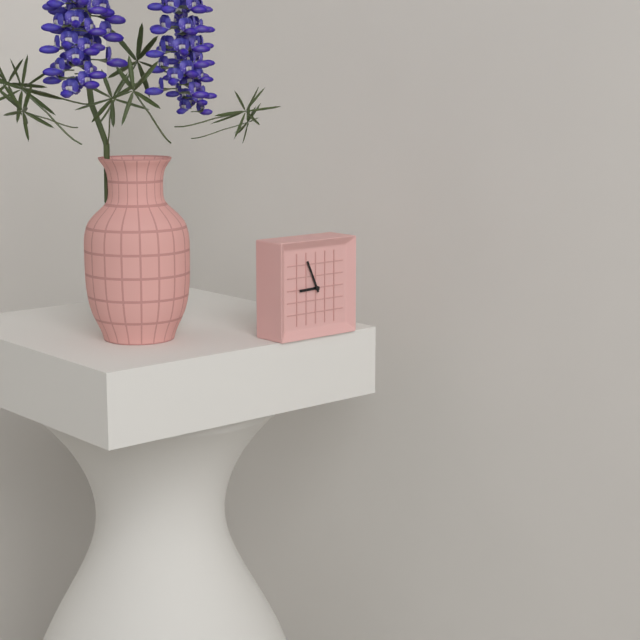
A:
8,56
